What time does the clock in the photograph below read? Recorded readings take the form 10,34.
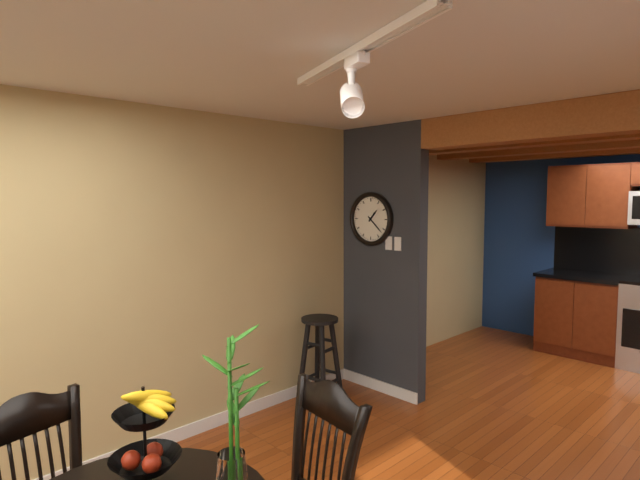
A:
1,22
